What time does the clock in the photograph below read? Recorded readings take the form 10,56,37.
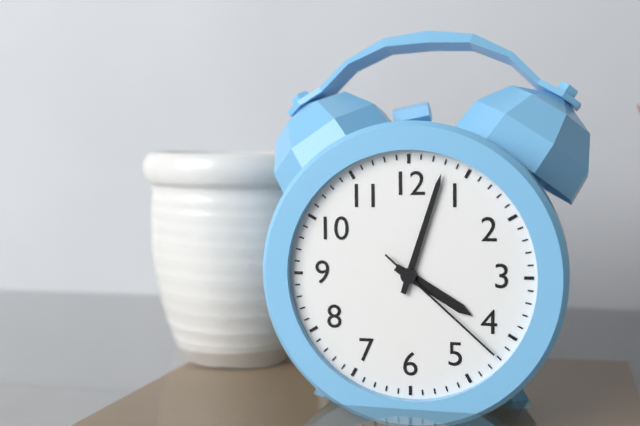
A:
4,03,22
